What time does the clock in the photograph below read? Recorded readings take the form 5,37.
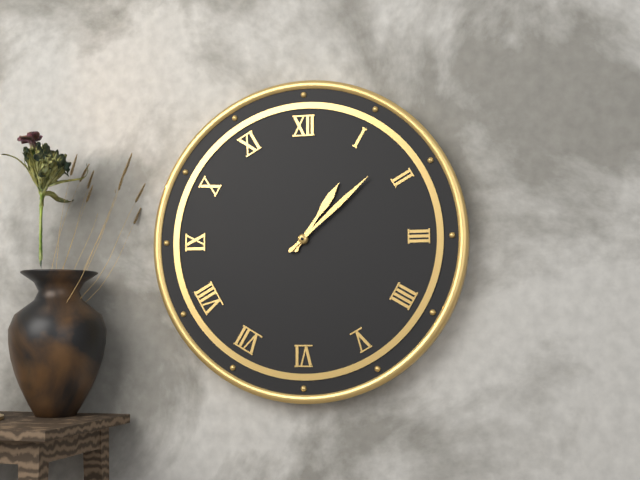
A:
1,08
